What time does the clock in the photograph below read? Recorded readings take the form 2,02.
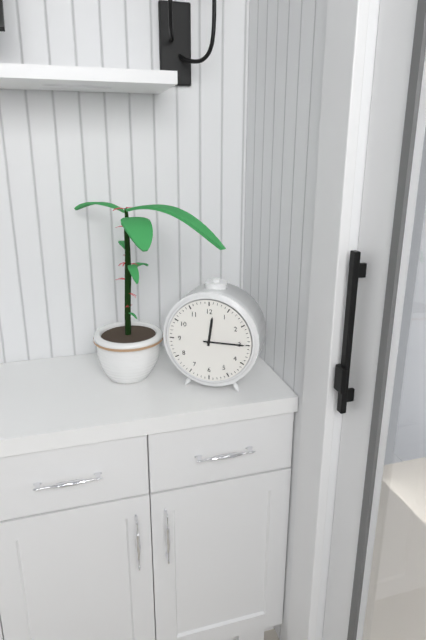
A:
12,15
